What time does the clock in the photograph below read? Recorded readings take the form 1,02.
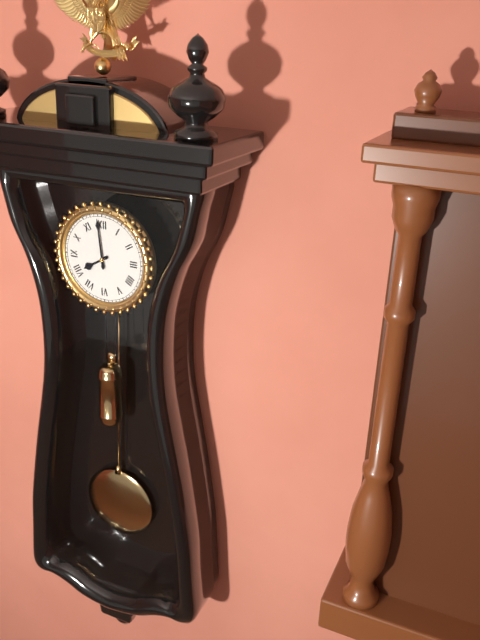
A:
7,59
